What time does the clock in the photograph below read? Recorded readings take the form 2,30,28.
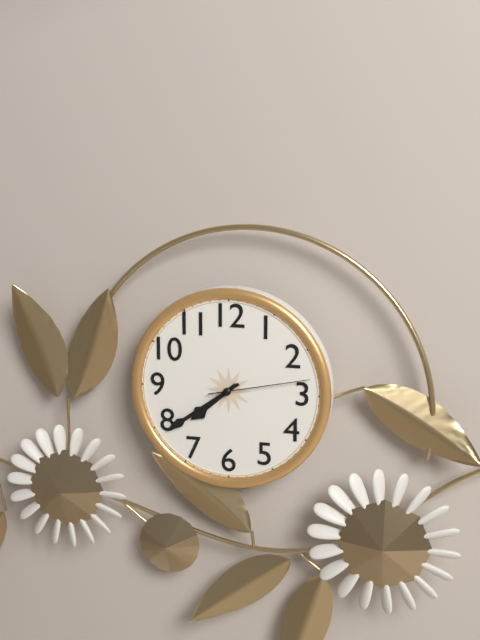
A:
7,39,13
